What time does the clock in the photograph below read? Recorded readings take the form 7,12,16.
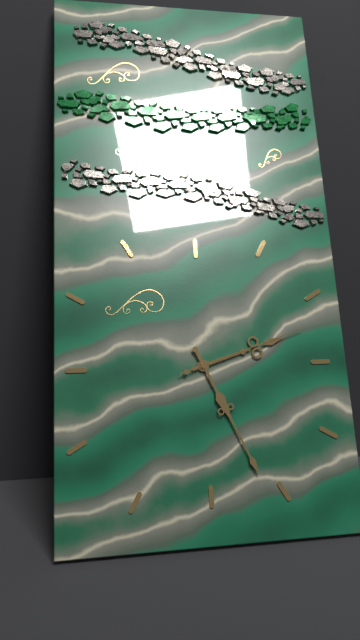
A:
2,26,12
